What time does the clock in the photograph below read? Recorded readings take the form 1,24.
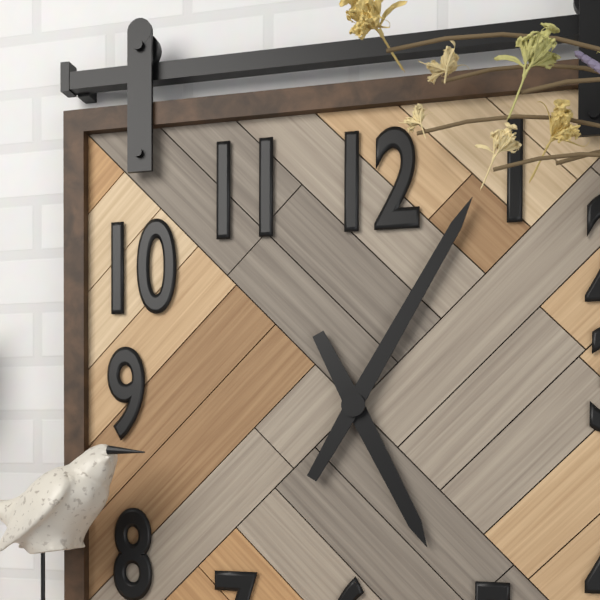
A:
5,05
